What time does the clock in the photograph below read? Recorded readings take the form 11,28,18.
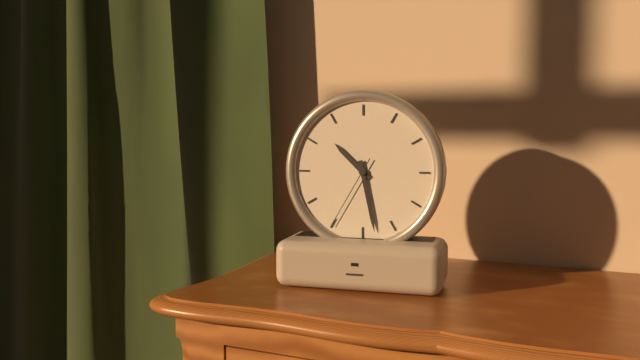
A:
10,28,35
